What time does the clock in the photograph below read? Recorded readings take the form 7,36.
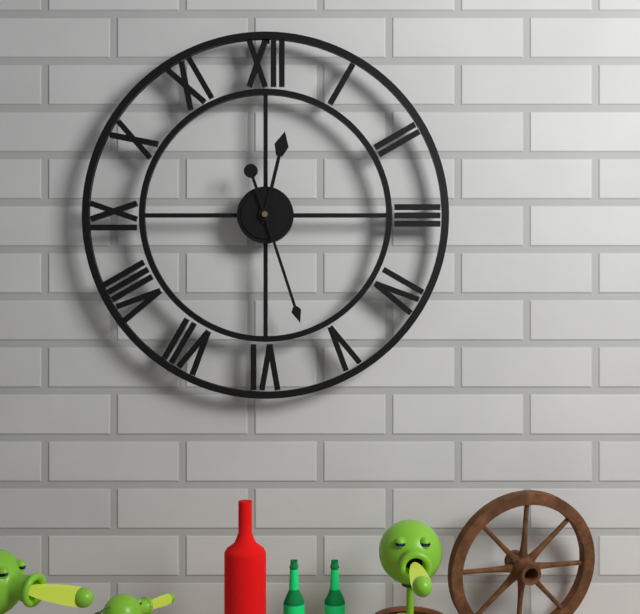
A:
12,27
